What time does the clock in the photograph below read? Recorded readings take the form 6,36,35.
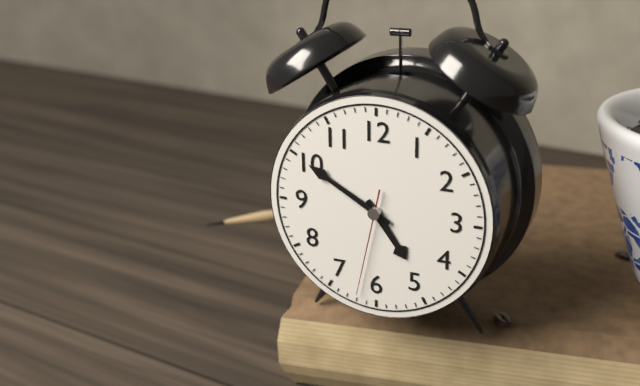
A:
4,50,32
